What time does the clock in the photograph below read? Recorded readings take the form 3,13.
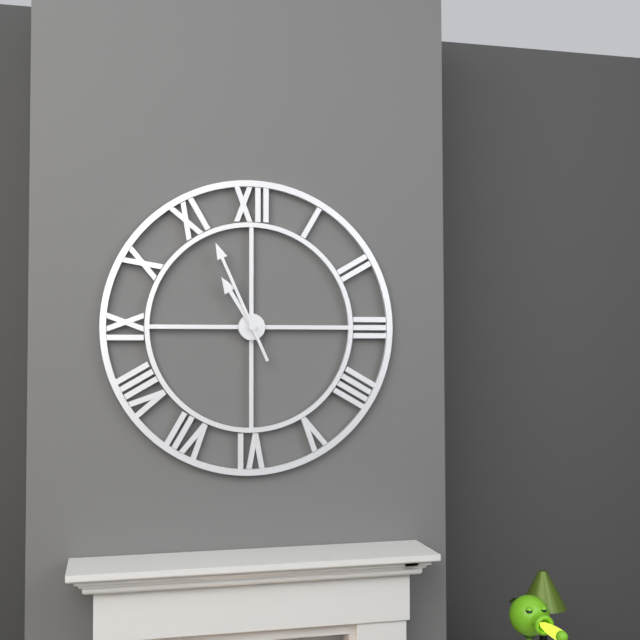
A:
10,56
